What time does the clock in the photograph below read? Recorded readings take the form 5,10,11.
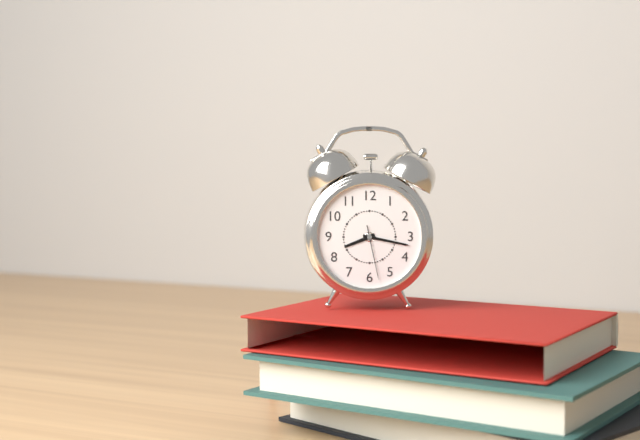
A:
8,17,28
